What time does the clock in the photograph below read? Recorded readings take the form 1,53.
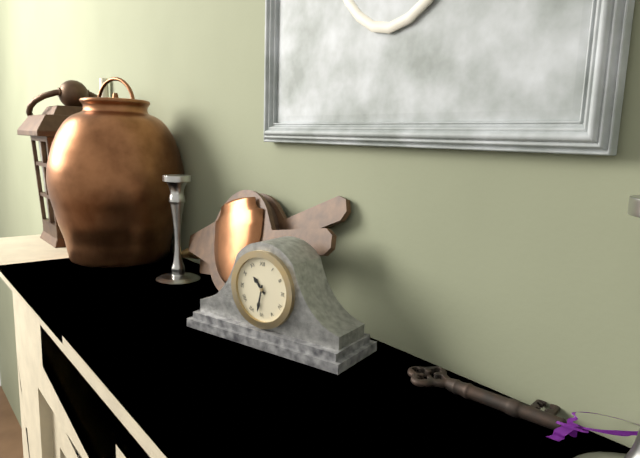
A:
10,32
